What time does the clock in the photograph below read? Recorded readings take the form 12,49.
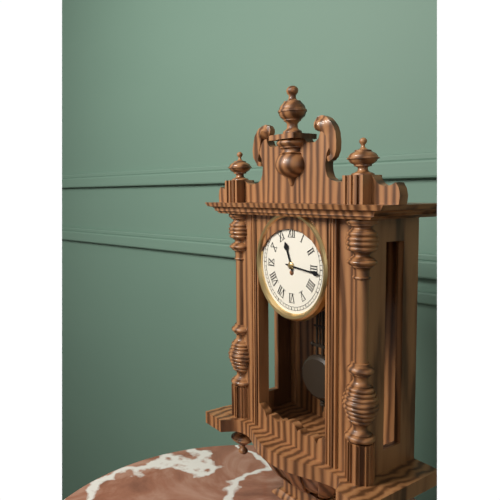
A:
11,16
